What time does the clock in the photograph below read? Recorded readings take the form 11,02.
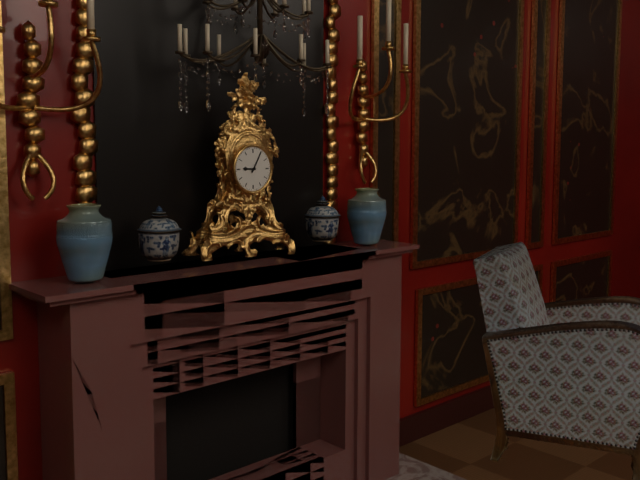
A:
9,05
